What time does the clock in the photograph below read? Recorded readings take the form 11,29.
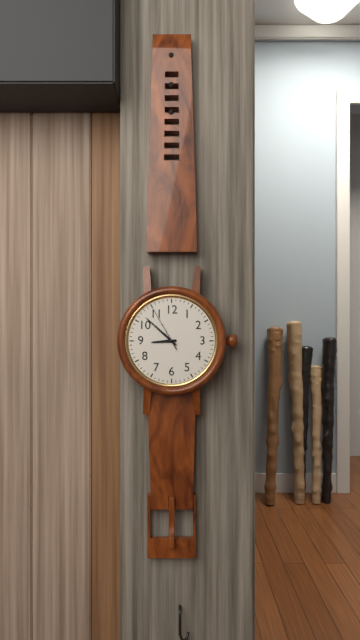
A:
8,52
